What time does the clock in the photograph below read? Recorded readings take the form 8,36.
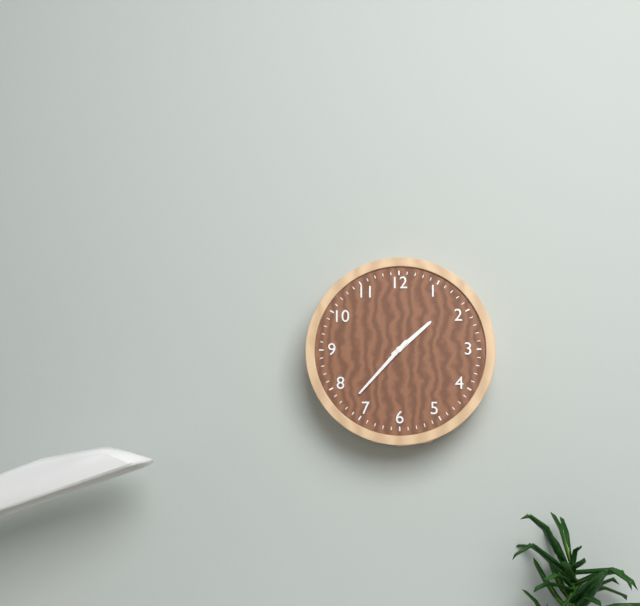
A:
1,37
